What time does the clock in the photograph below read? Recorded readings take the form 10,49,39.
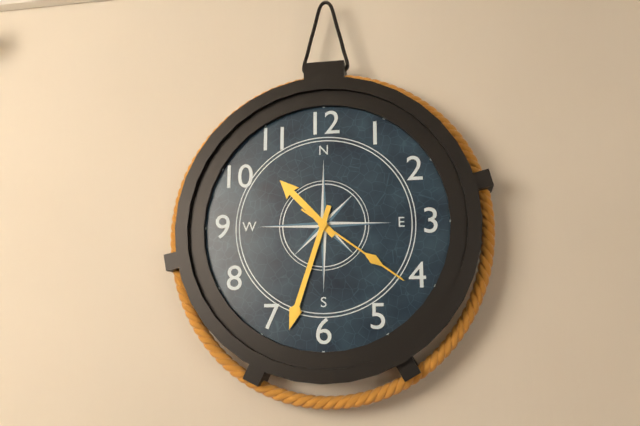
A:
10,33,21
